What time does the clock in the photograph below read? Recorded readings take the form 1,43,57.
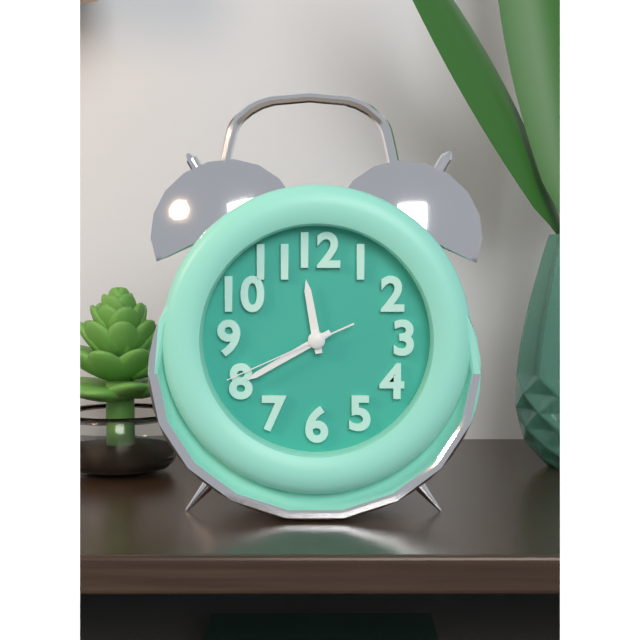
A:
11,40,41
